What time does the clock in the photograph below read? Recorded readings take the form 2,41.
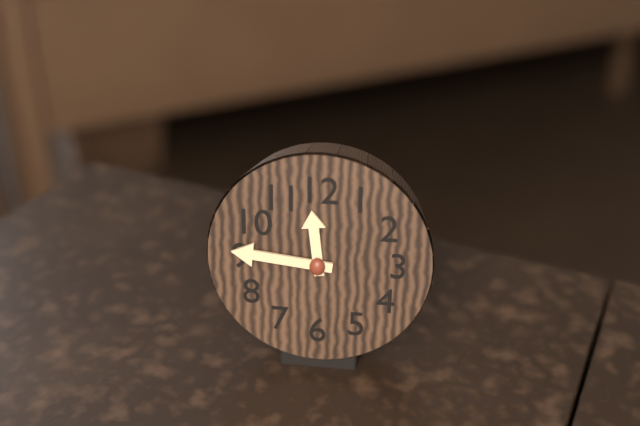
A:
11,46
